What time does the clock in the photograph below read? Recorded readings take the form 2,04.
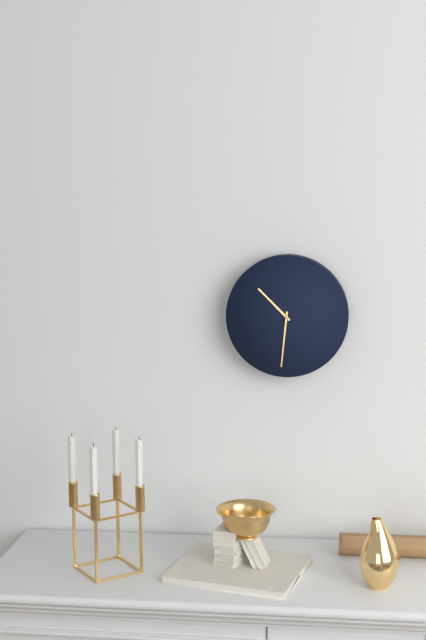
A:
10,31
